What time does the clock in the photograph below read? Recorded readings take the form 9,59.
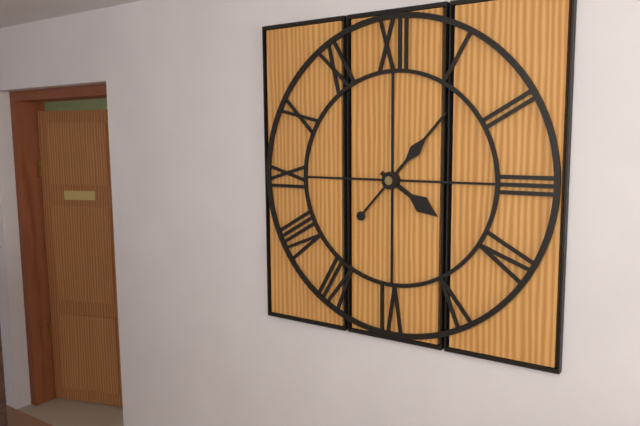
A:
4,07
